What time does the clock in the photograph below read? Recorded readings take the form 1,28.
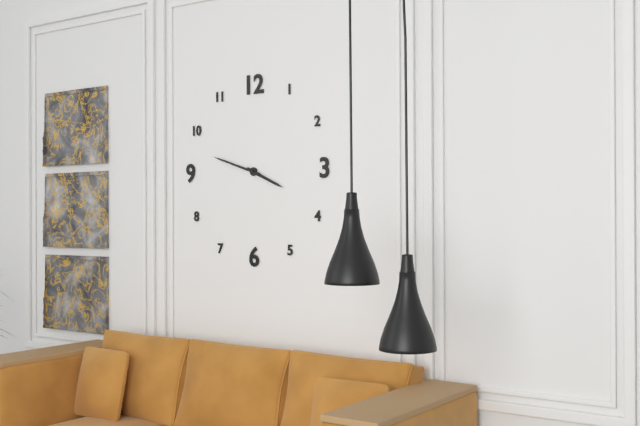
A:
3,48
